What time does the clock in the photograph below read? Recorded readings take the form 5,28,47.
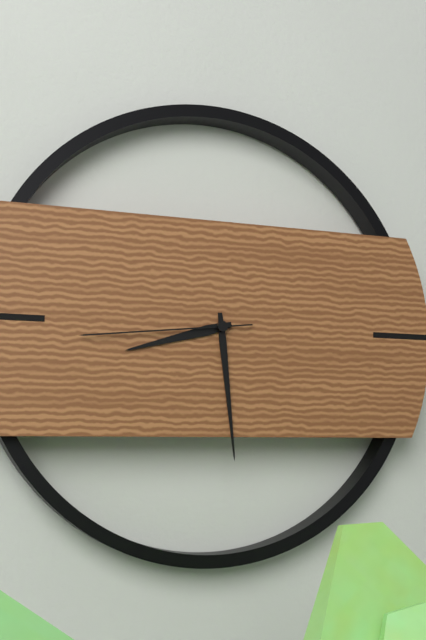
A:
8,29,44
